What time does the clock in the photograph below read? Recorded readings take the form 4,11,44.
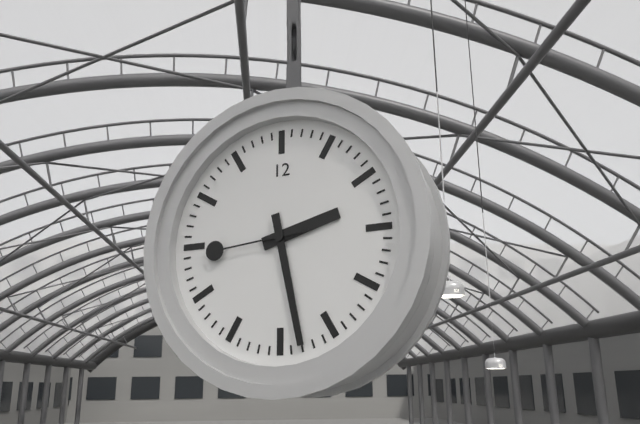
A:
2,28,44
